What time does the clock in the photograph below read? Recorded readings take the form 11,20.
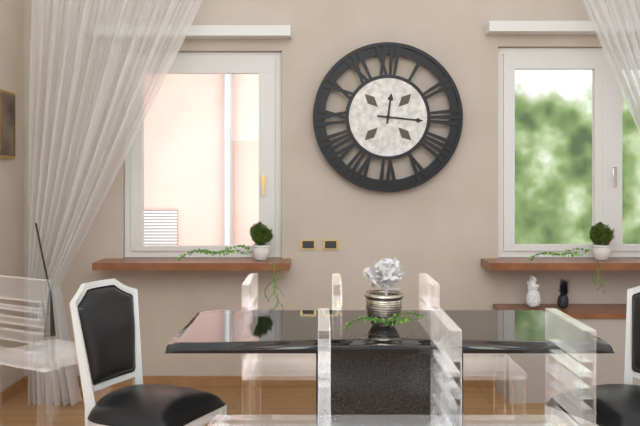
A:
12,16
